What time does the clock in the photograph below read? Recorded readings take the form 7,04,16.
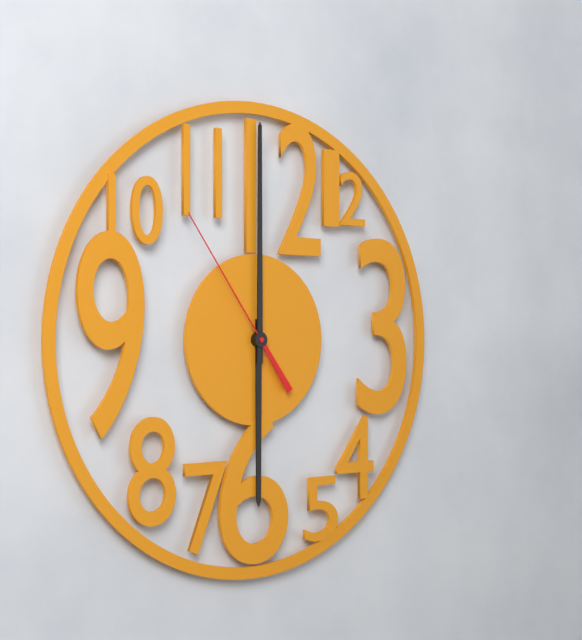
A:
6,00,54
